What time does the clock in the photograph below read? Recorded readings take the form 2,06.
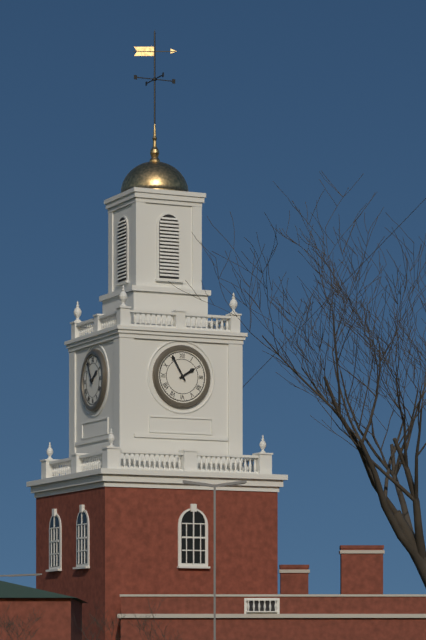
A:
1,55
